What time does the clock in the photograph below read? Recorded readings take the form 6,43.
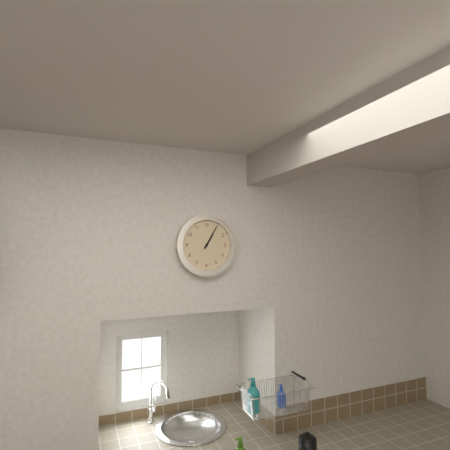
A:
1,05
